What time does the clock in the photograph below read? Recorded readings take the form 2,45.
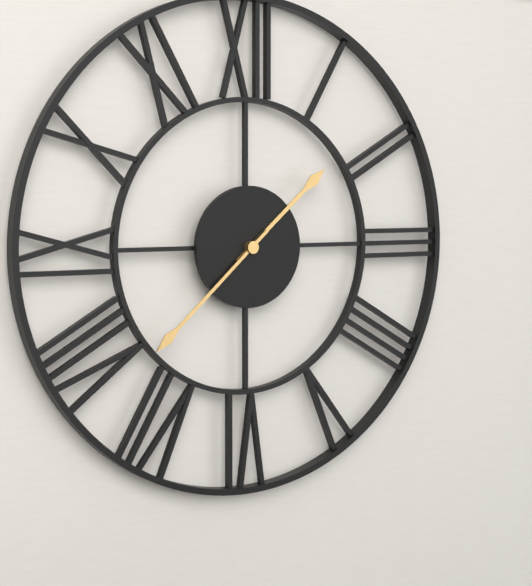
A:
1,38
